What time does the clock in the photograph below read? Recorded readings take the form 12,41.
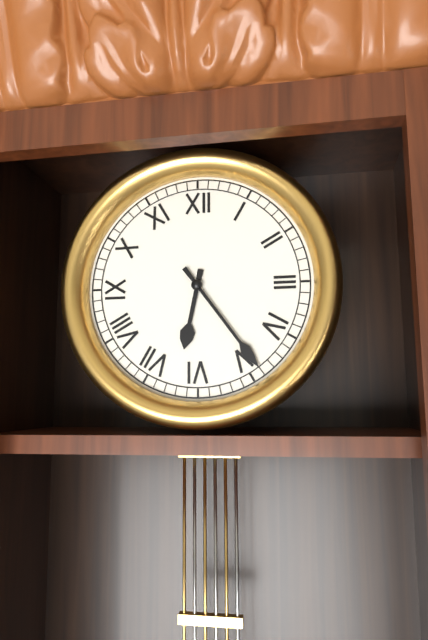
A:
6,24
